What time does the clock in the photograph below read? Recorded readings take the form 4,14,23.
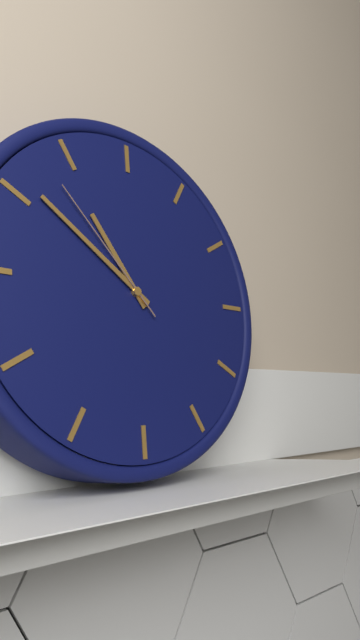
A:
10,51,53
